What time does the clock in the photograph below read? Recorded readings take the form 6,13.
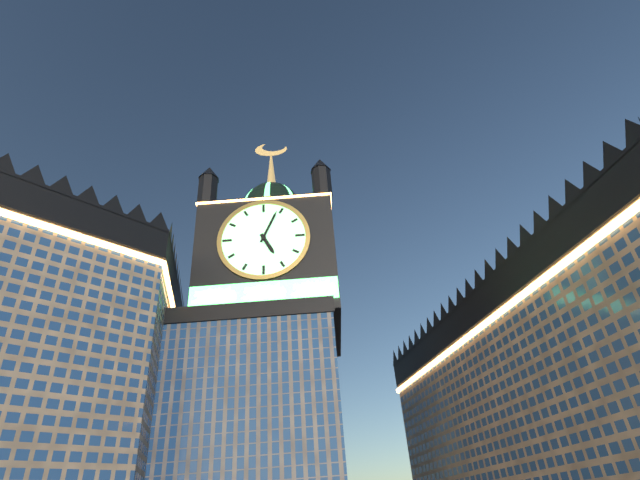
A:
5,04
